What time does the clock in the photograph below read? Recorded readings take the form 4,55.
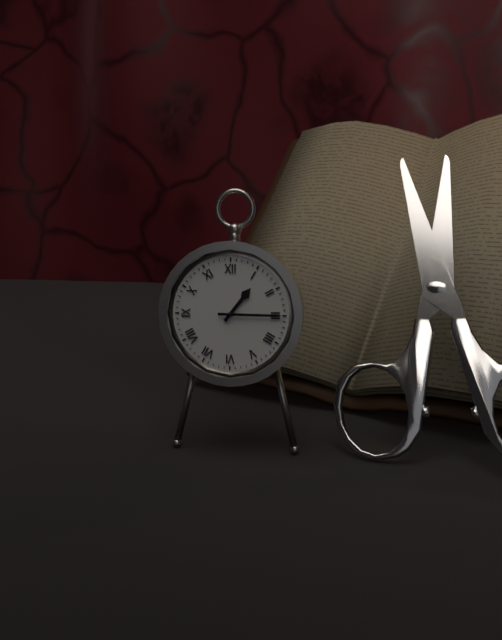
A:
1,15
